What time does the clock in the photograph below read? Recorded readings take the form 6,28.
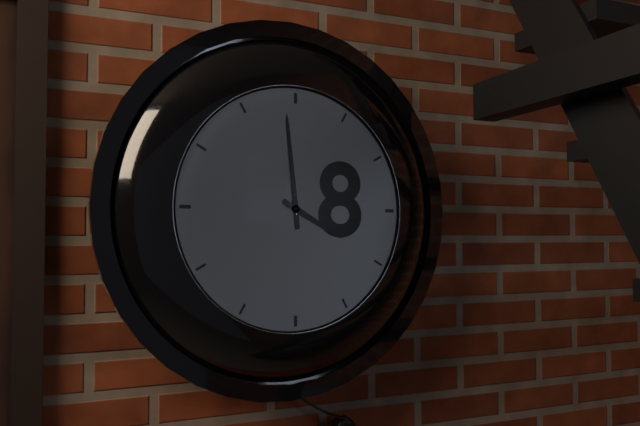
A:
3,59
